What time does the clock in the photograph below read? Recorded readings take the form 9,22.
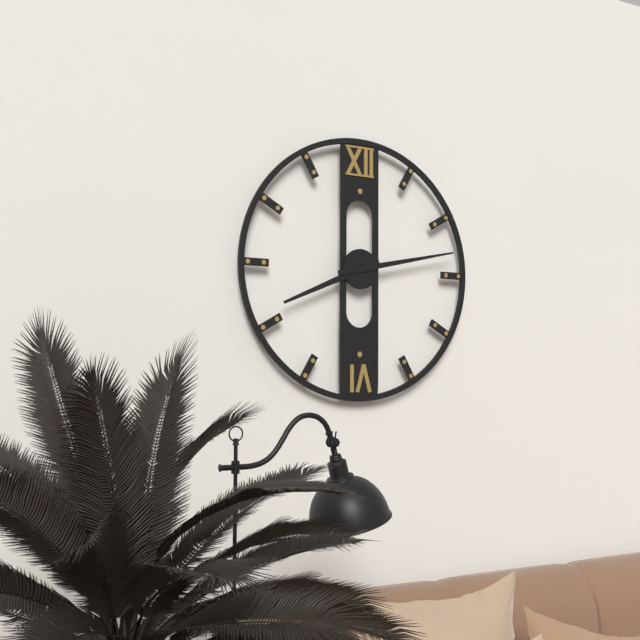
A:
8,13
